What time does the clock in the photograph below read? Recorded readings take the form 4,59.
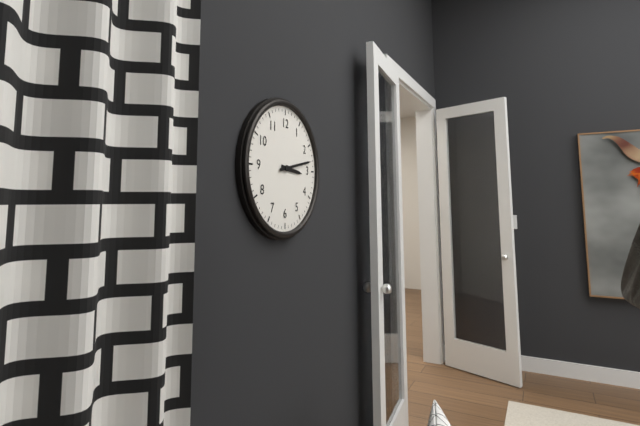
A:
3,13
